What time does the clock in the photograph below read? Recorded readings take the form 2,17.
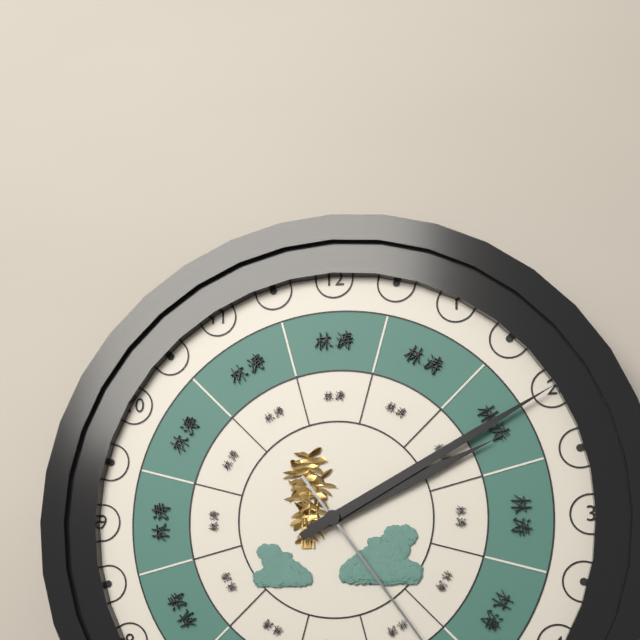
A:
2,10
